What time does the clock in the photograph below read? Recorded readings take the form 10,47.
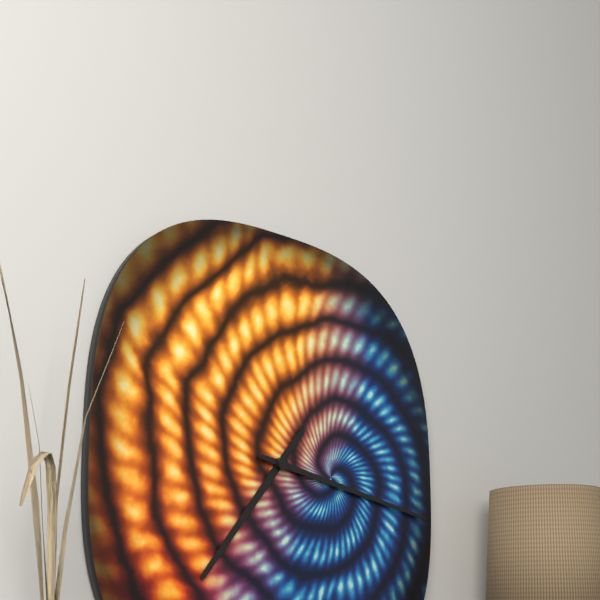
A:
7,17
